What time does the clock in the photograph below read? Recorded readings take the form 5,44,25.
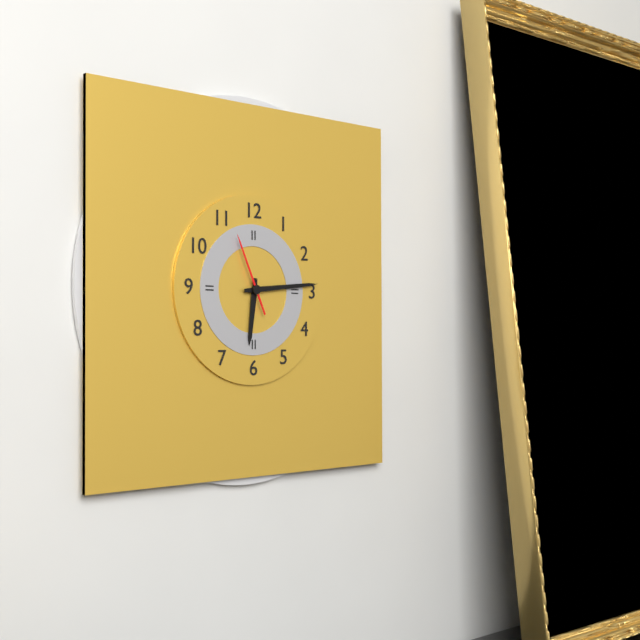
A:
6,14,56
